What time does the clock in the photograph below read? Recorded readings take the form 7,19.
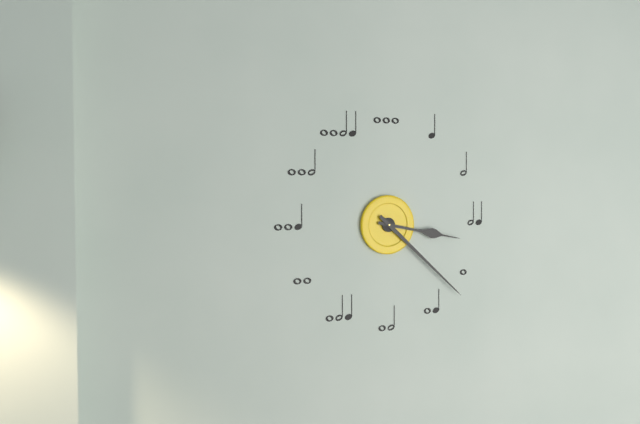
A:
3,22
